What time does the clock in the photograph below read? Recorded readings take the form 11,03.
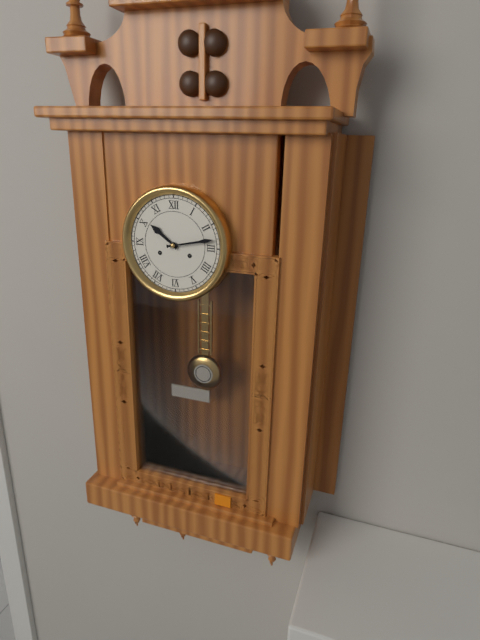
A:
10,13
